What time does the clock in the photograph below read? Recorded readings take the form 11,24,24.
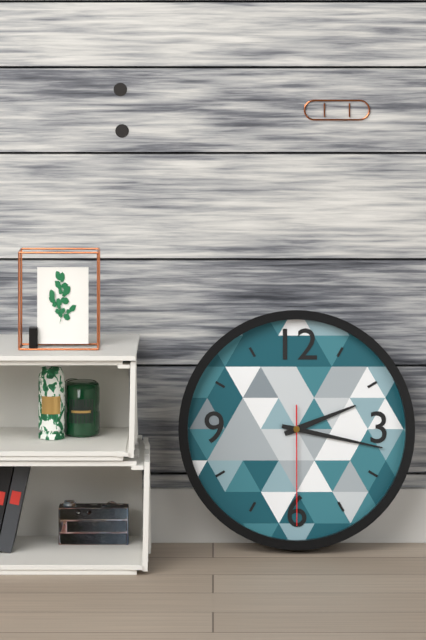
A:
2,17,30
